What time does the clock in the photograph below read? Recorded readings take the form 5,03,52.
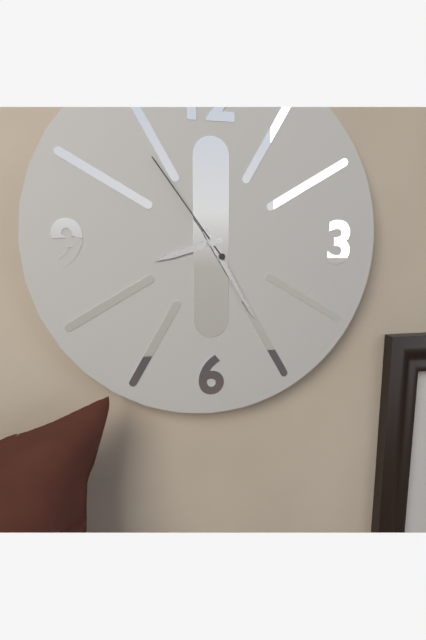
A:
8,25,54
